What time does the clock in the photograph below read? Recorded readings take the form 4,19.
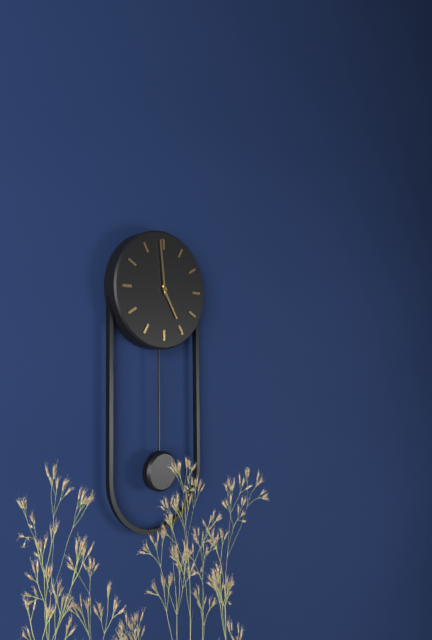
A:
4,59
